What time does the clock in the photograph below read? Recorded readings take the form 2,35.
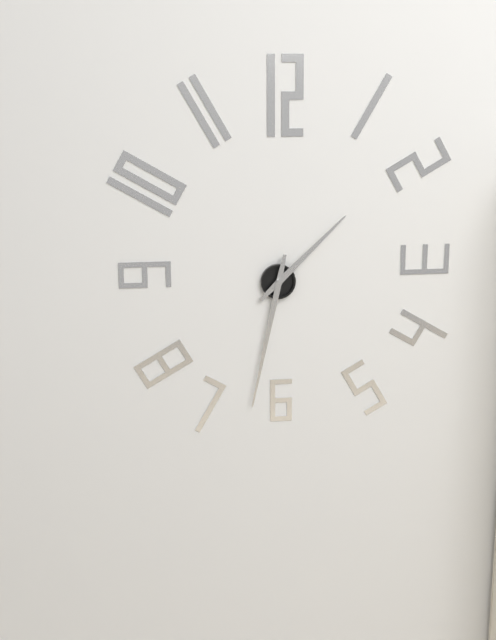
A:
1,32
